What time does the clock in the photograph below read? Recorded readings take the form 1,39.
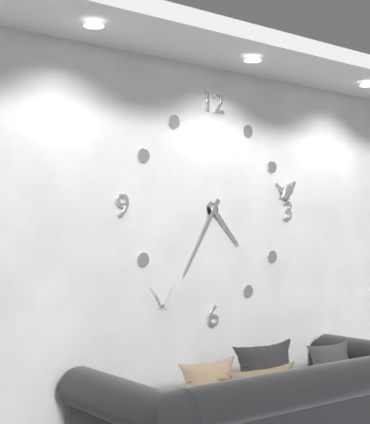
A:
4,35
